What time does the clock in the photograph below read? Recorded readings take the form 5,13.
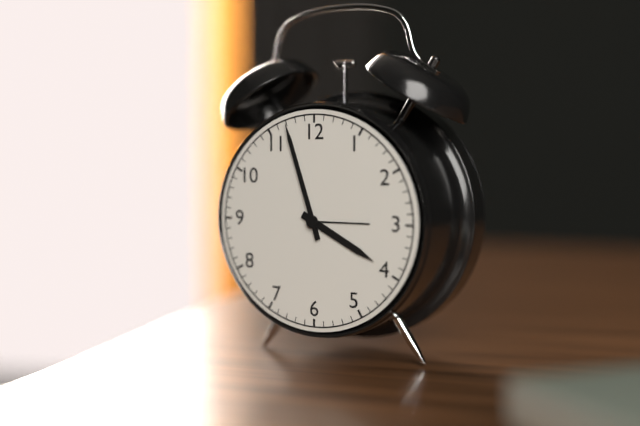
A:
3,57
